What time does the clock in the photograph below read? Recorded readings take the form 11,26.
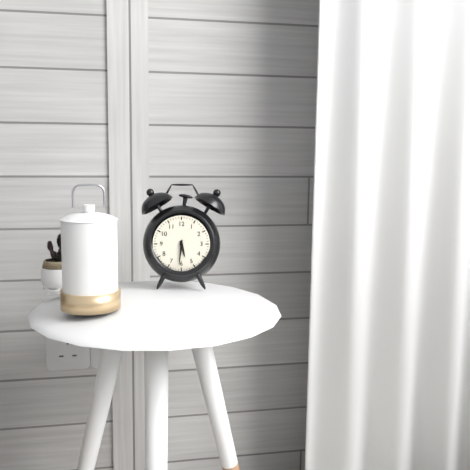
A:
5,31
